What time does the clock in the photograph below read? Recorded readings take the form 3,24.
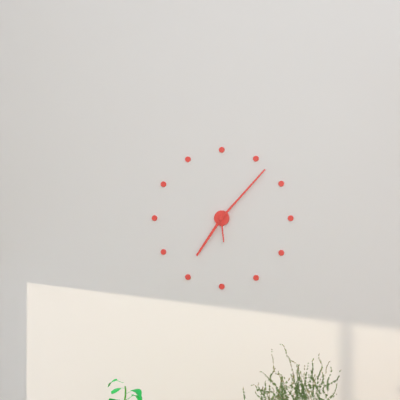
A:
7,07
